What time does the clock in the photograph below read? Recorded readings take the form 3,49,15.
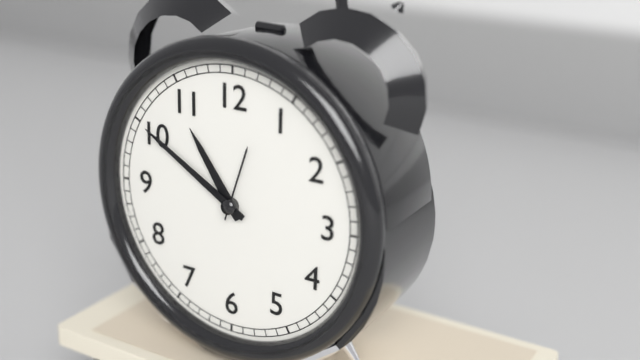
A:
10,50,03
